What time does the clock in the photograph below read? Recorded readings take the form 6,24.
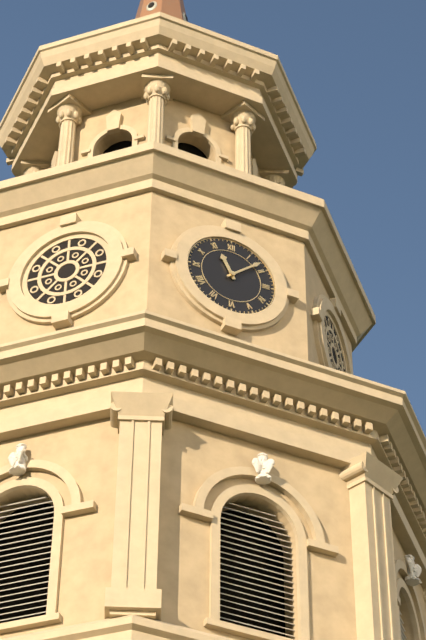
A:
11,08
